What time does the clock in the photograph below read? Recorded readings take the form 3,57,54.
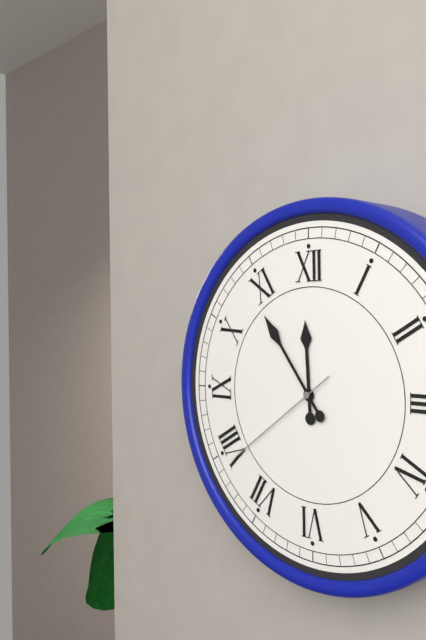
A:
11,54,39
